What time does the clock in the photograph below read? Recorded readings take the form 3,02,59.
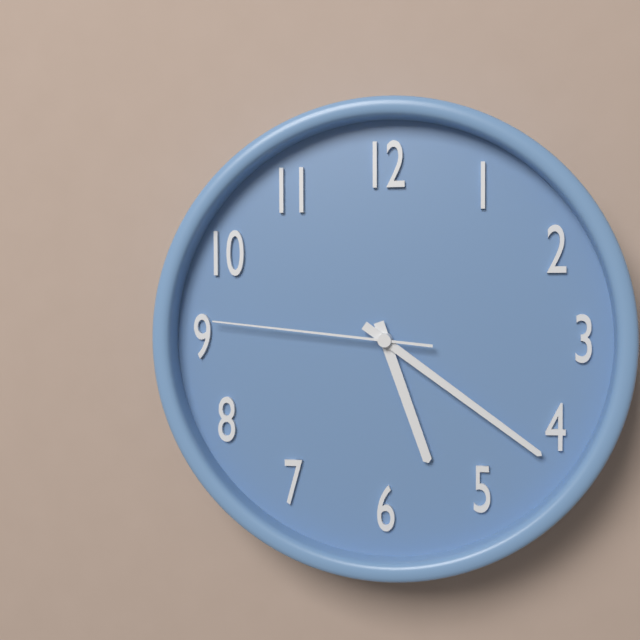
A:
5,21,46
